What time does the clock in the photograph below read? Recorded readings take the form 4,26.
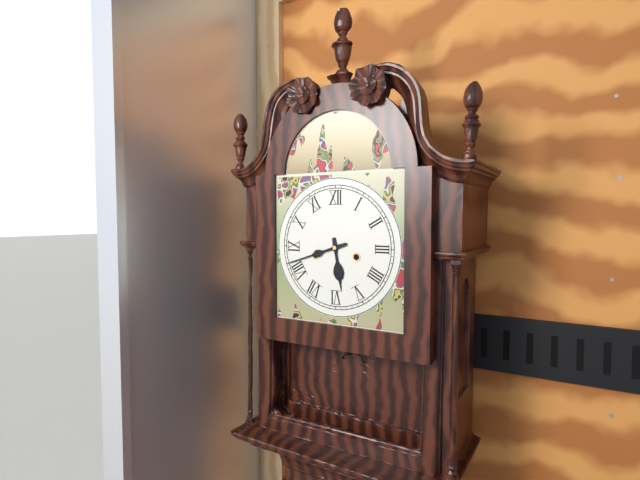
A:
5,42
